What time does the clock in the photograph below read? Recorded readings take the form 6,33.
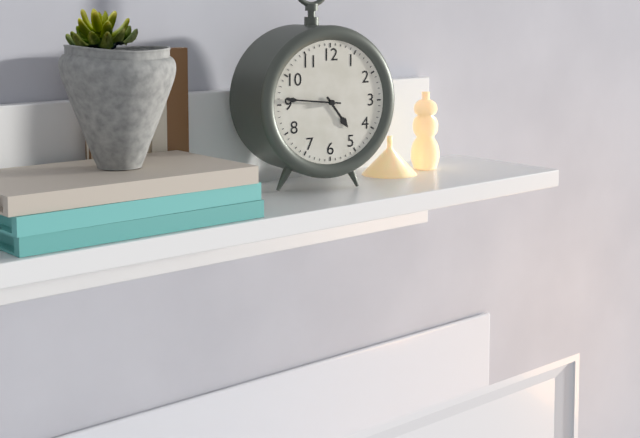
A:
4,46
